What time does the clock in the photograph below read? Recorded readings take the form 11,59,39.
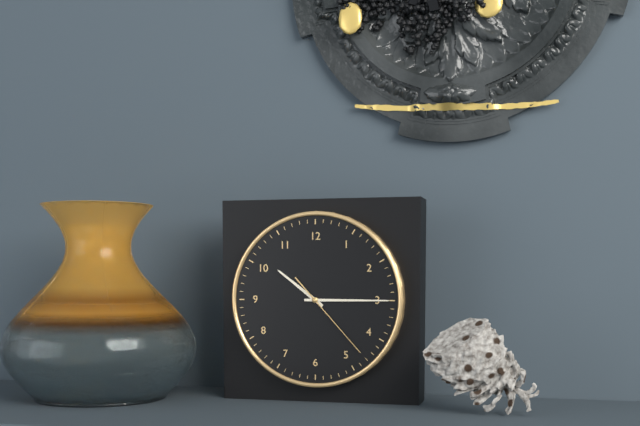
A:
10,15,23
